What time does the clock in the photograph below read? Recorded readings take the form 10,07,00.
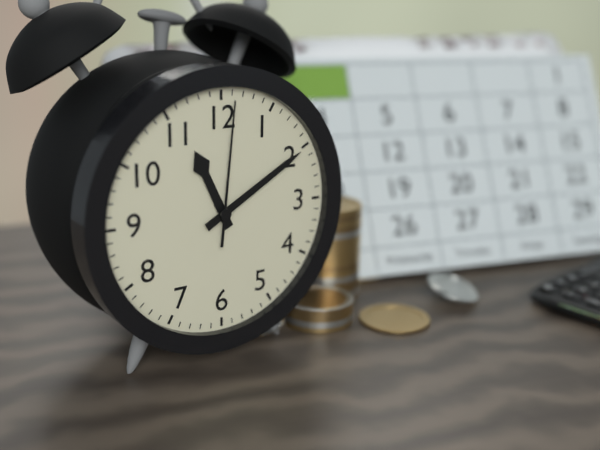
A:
11,10,01
